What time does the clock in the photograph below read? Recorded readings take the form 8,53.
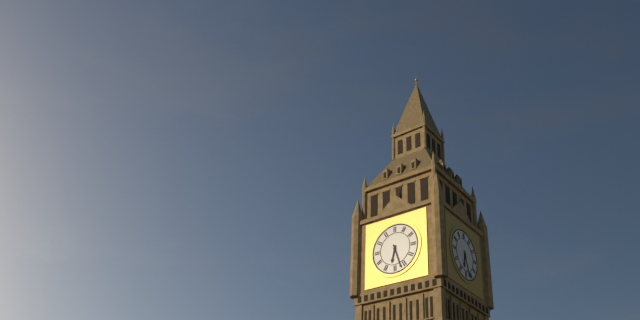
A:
6,27
